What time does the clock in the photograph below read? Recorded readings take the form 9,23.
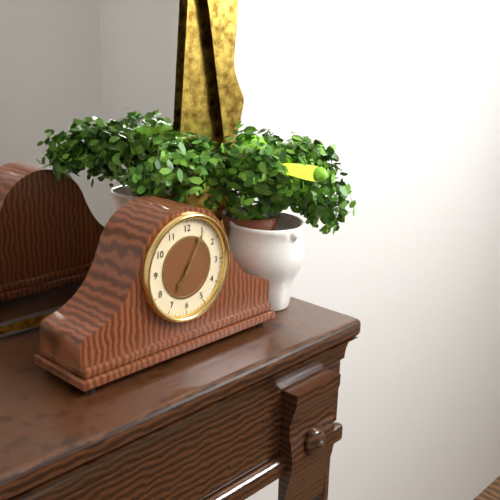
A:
7,05
